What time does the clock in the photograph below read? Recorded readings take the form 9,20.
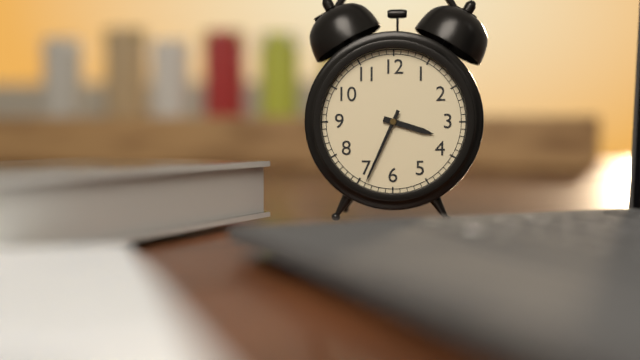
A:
3,34
